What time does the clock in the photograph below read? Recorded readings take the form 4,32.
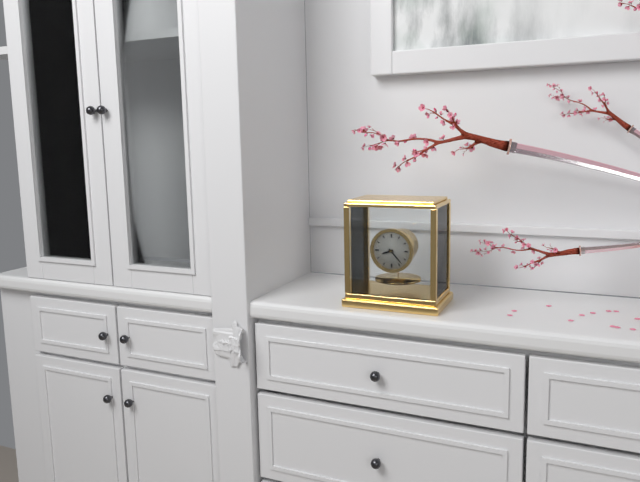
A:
8,23
